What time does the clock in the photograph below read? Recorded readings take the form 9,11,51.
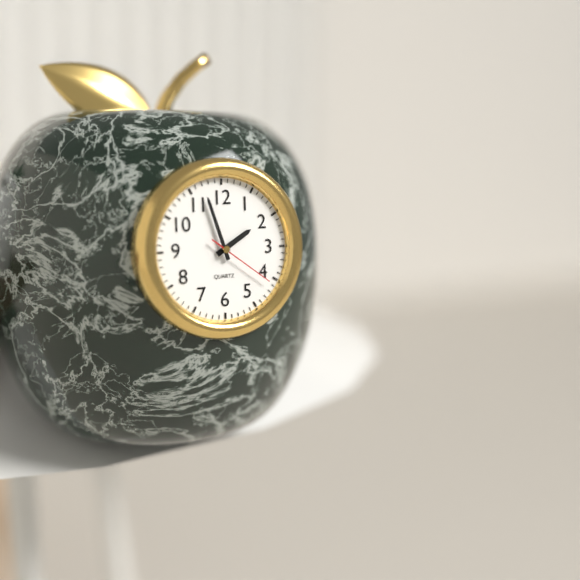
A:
1,57,21
